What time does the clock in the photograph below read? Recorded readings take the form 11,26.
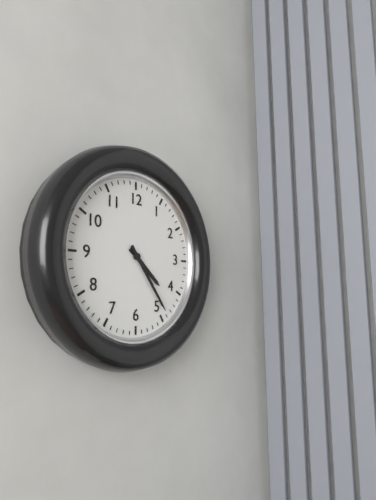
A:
4,24
